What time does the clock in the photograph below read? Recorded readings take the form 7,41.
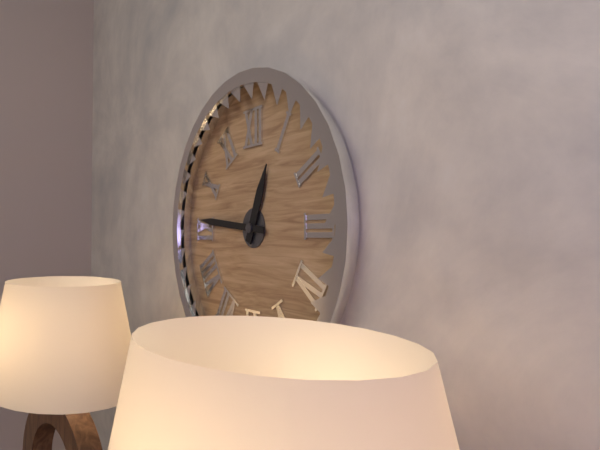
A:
12,46
